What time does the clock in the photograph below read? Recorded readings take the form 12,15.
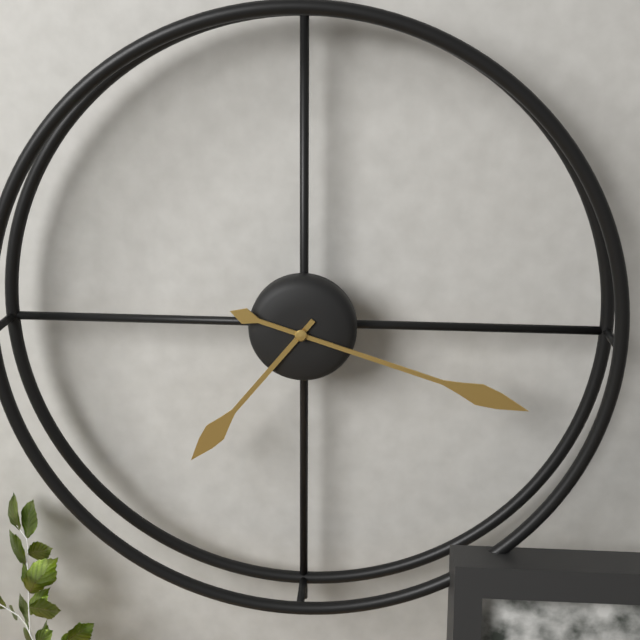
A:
7,18
